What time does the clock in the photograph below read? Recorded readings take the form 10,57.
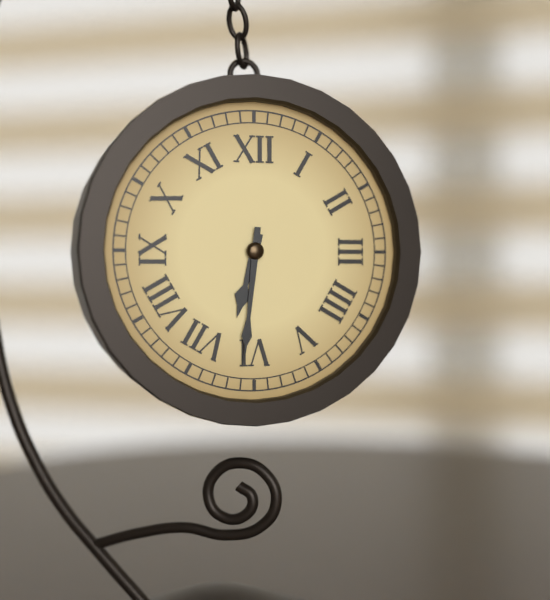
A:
6,31
